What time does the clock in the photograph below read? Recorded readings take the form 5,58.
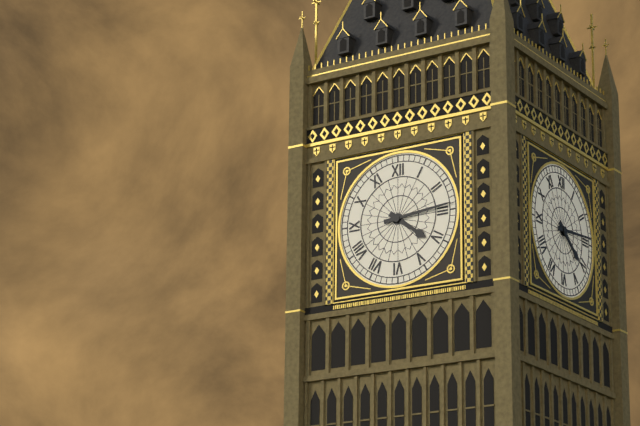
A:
4,14
